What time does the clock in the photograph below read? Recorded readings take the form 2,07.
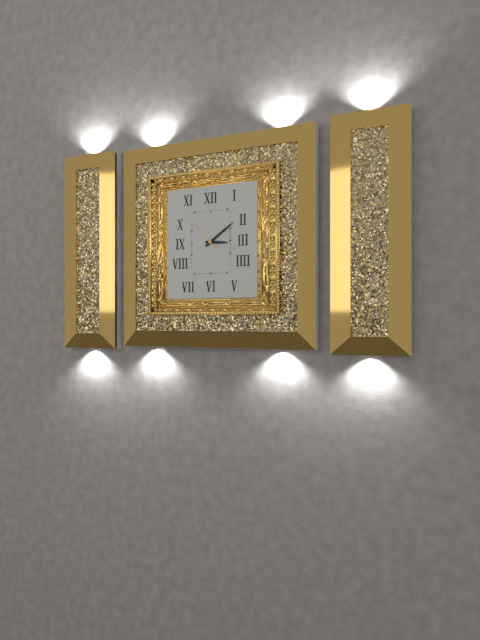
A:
3,09
